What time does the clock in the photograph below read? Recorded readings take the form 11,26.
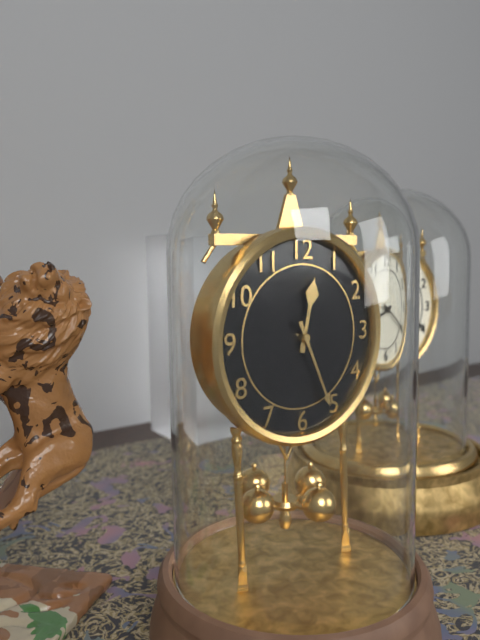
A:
12,26
